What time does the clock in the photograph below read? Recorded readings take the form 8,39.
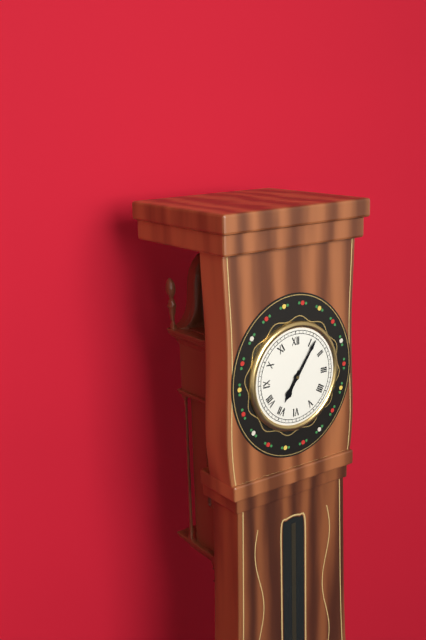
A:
7,06
